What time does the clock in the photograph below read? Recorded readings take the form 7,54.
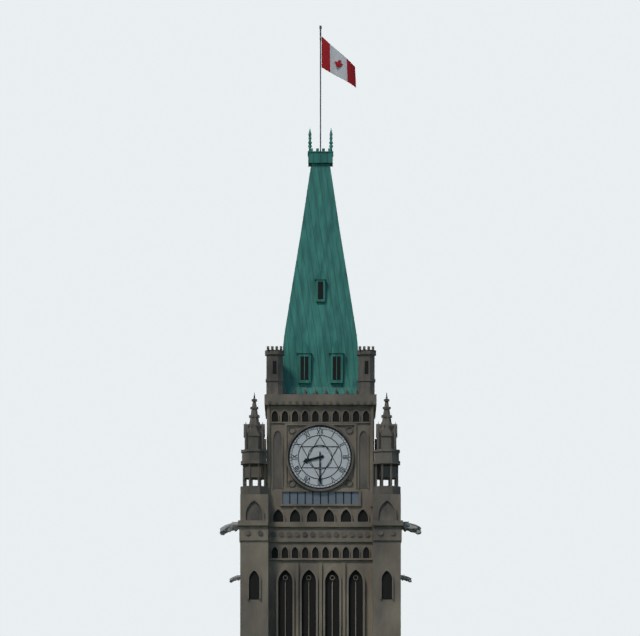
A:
8,30
